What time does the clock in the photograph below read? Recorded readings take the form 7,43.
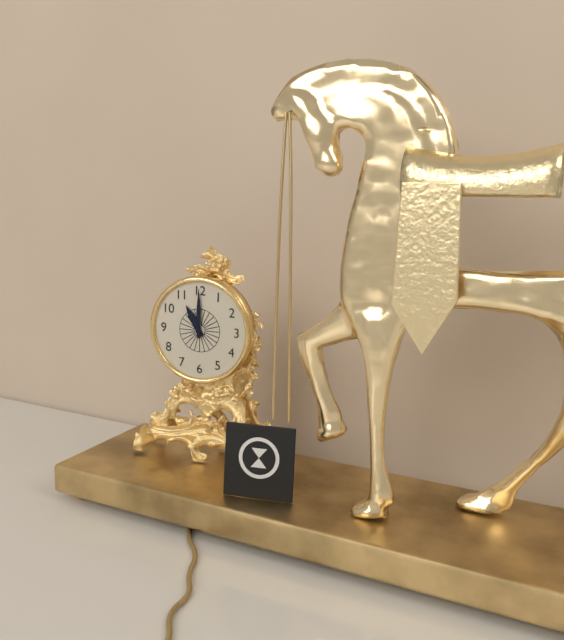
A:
11,00
